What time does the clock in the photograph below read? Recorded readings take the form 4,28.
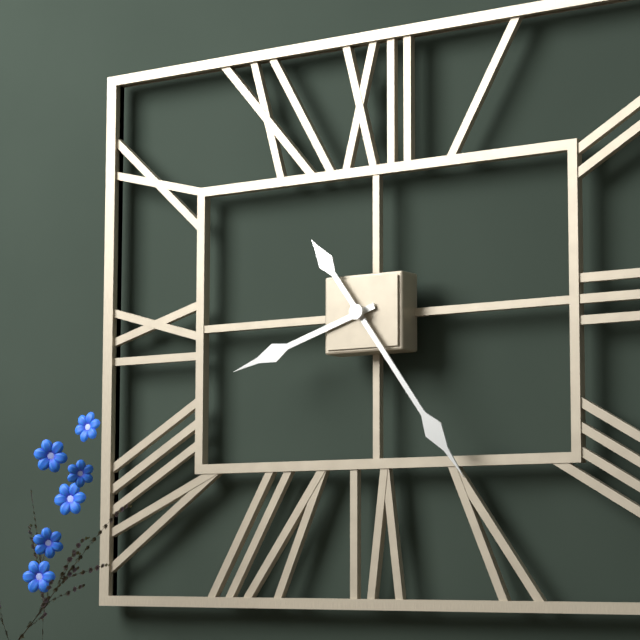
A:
8,24
